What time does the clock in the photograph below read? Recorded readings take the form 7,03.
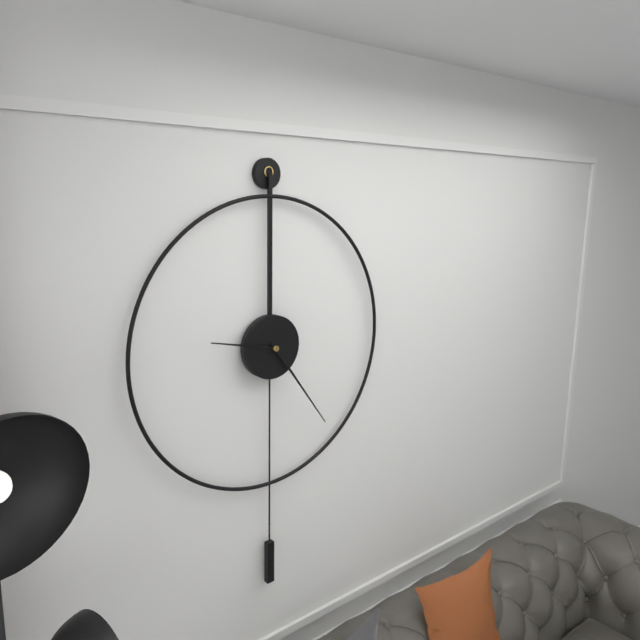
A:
9,24
